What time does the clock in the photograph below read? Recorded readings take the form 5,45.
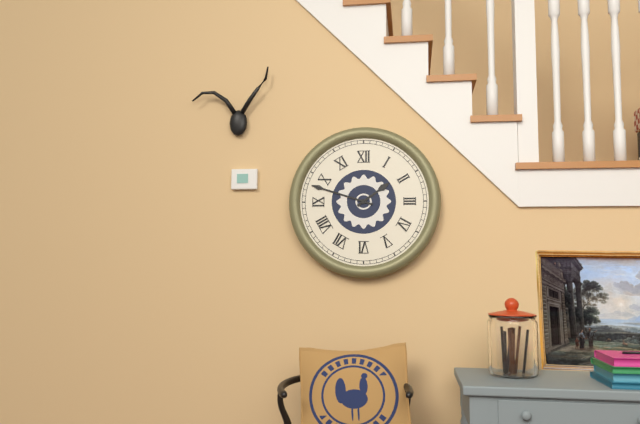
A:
1,48
